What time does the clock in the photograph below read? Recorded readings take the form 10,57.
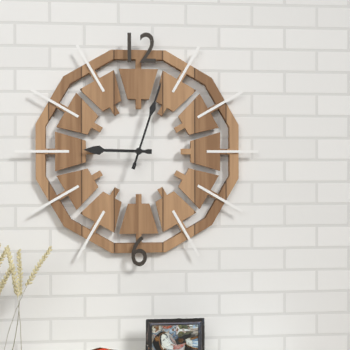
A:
9,03
